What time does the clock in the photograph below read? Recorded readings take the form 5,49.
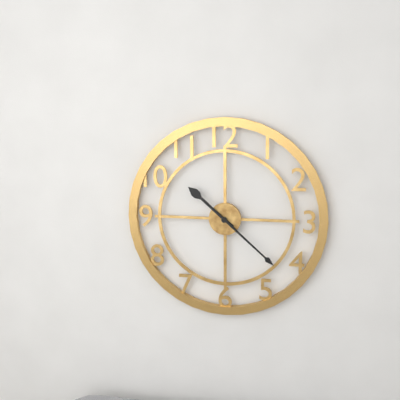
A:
10,22
